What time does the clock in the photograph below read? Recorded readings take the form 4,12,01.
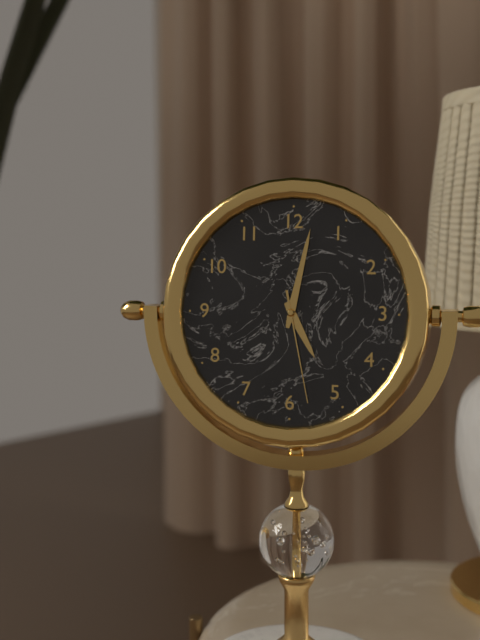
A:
5,02,28
